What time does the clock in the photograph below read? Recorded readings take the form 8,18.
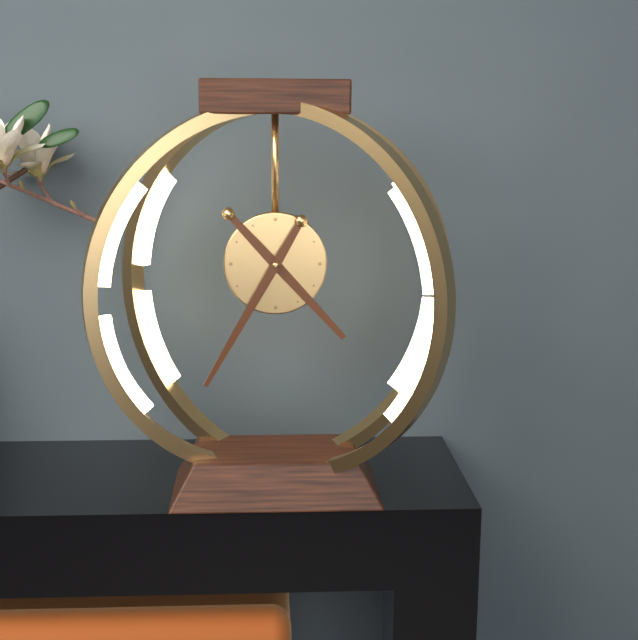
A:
4,35
